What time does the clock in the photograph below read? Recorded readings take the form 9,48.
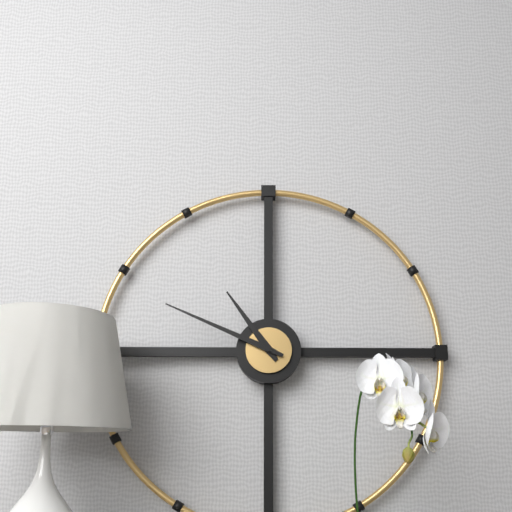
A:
10,49
